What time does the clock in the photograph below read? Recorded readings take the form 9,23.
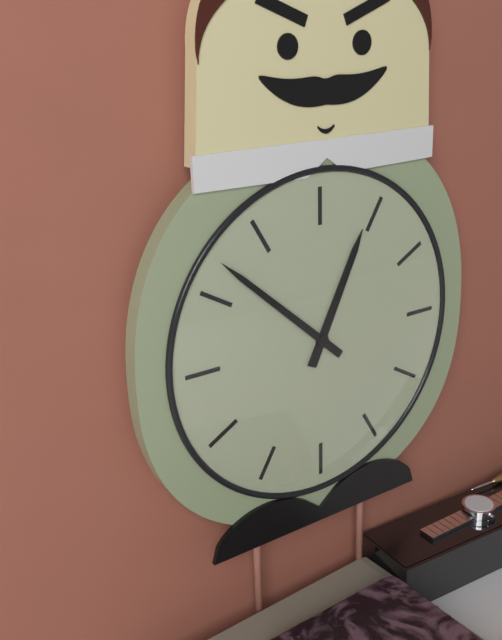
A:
12,52
